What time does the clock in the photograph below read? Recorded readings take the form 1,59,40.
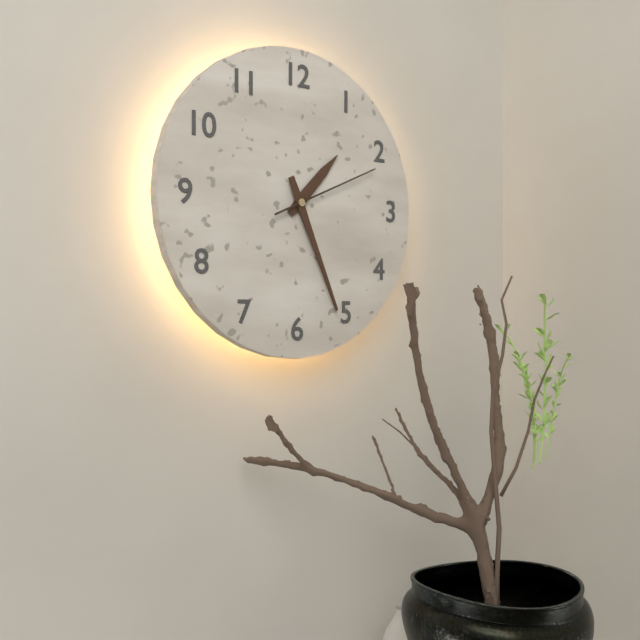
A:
1,26,11
